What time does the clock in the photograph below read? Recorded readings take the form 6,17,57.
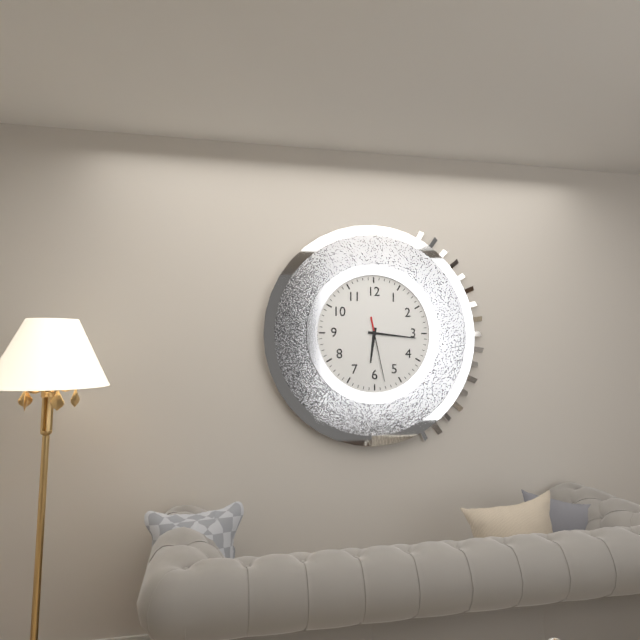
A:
6,16,28
